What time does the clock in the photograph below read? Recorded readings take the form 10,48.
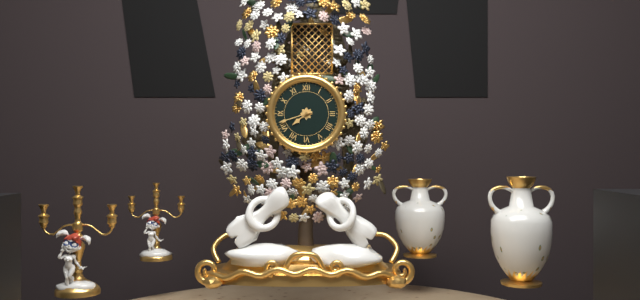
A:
7,42
